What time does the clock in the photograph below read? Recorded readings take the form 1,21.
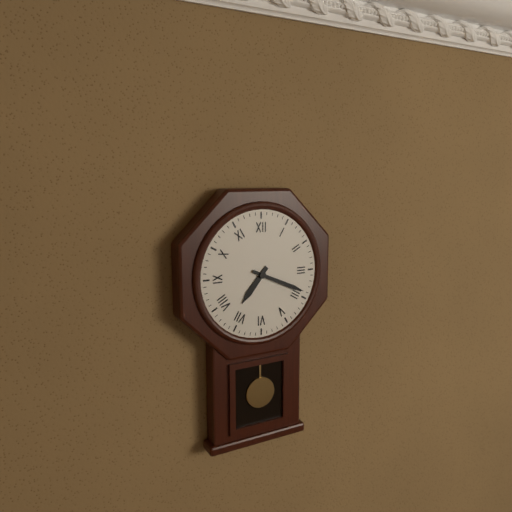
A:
7,19
